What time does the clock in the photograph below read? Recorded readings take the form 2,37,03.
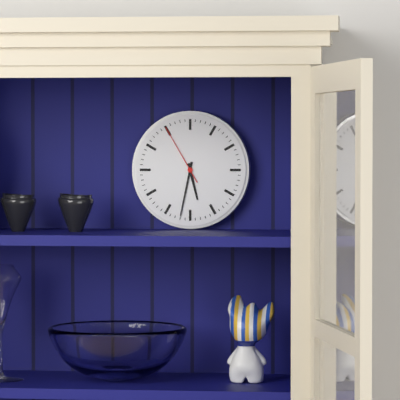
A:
5,32,55
